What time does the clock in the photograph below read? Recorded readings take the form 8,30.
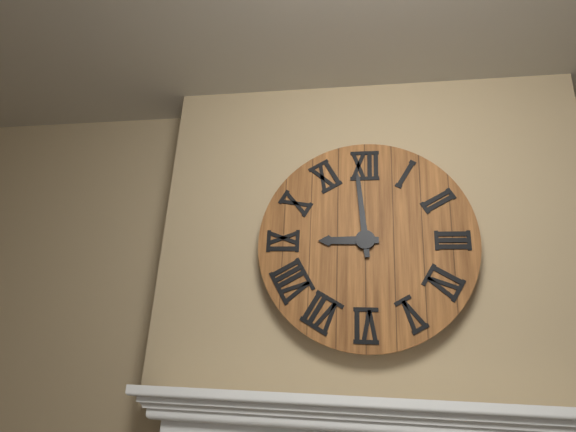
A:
8,59
